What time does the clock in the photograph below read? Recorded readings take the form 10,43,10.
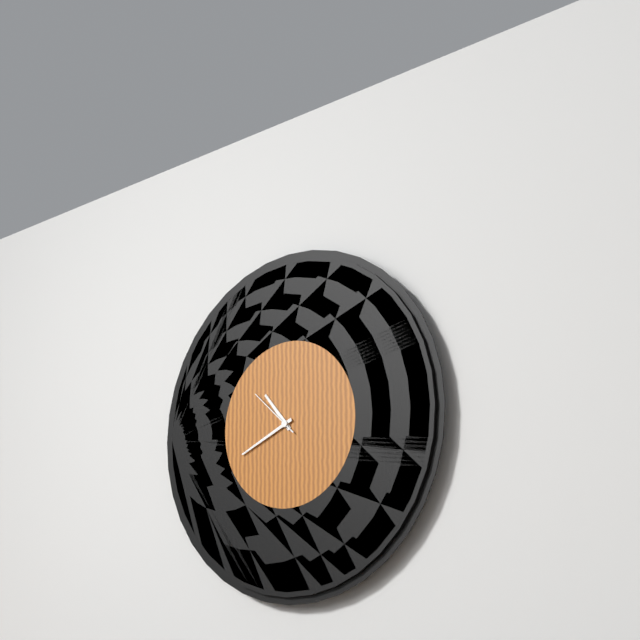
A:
10,41,52
